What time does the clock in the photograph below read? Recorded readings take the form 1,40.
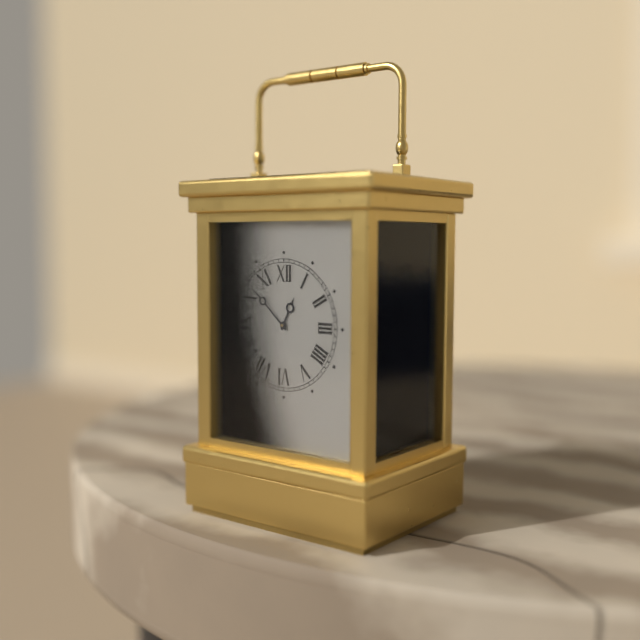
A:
12,52
